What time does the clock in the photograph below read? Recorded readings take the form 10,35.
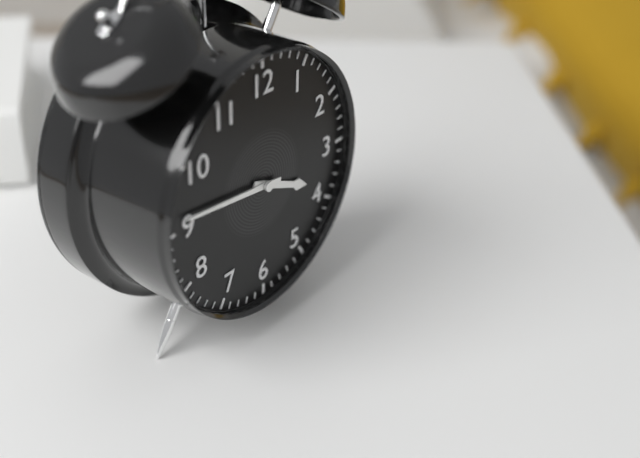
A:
3,46
